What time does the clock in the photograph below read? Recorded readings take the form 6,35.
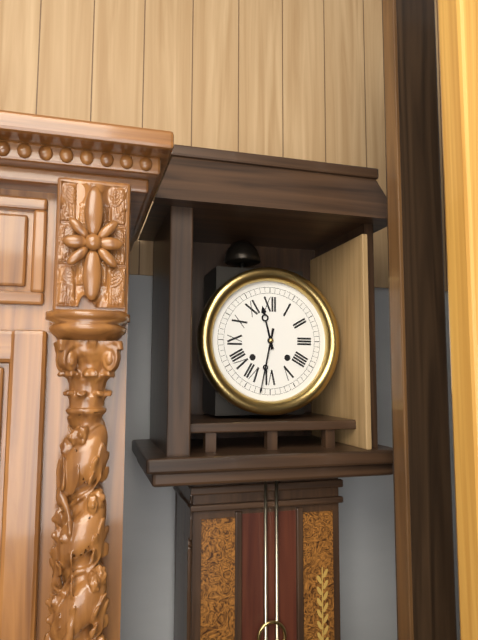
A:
11,32
